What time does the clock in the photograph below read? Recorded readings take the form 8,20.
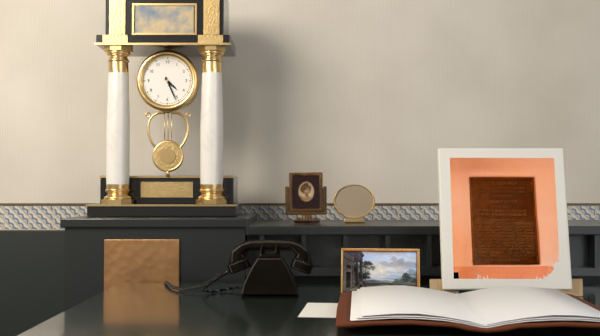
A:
4,26
